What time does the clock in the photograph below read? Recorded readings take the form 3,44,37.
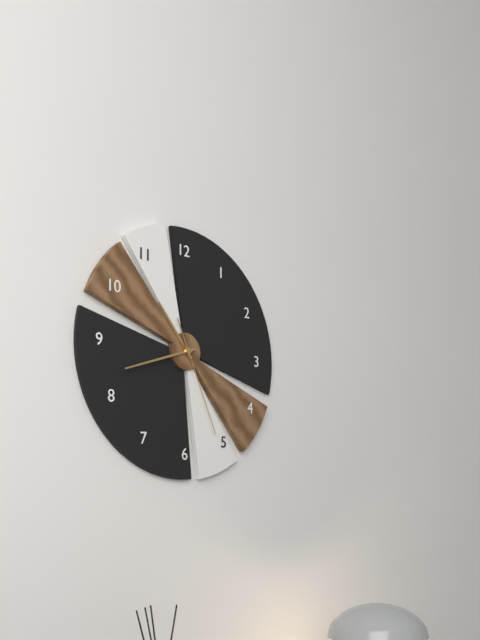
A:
10,42,26
